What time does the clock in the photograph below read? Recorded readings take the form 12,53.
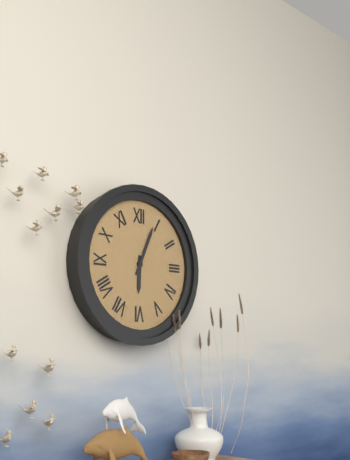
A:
6,04
